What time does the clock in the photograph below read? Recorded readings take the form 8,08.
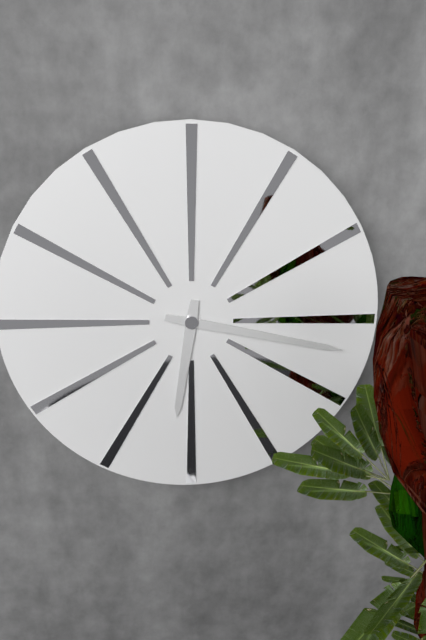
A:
6,17
